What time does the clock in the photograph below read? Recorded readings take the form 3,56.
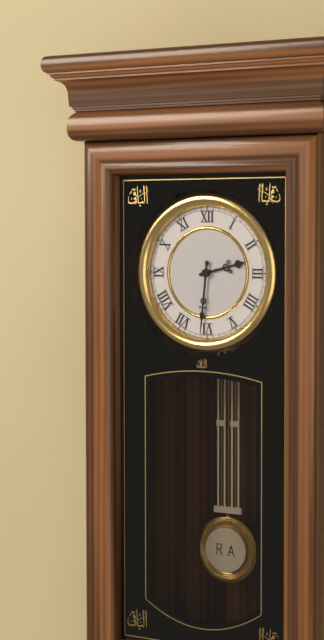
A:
2,31
